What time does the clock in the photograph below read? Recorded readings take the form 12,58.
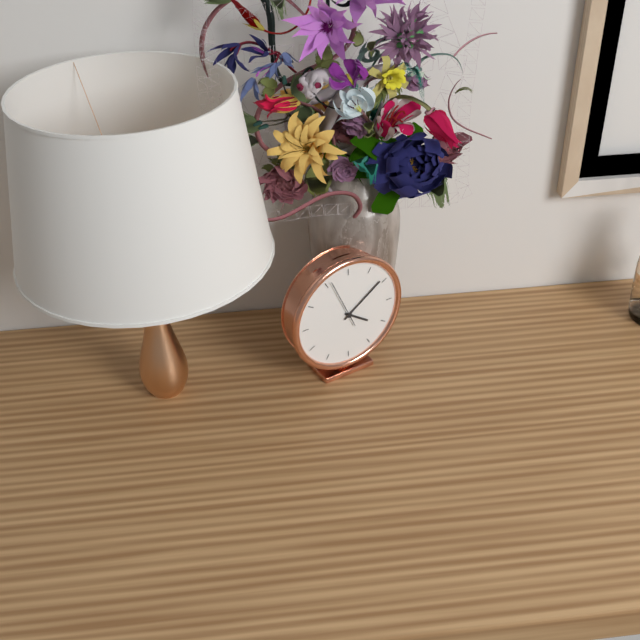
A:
4,09
